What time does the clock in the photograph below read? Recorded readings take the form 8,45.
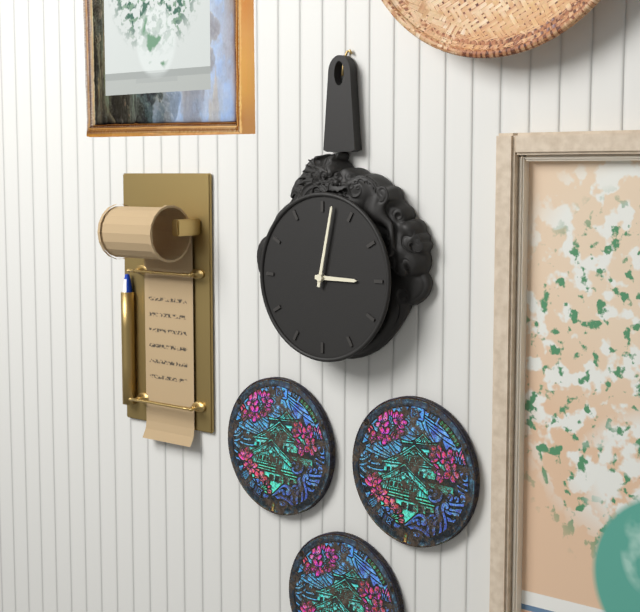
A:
3,02
